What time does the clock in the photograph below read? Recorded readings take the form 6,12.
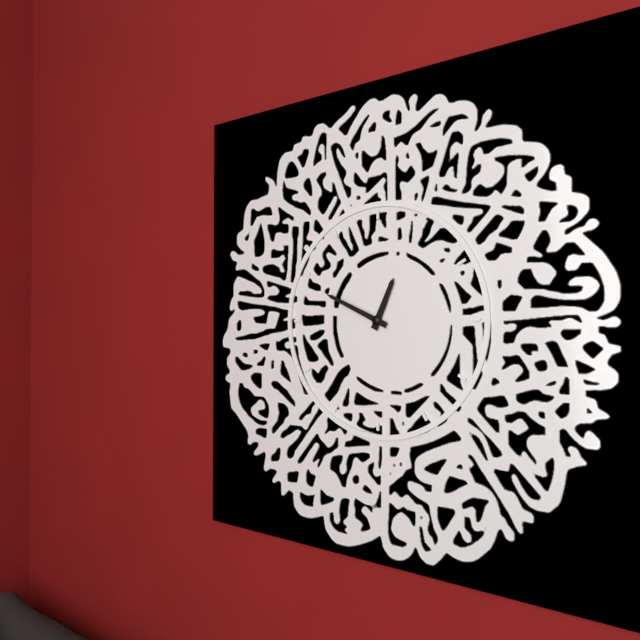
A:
12,49
